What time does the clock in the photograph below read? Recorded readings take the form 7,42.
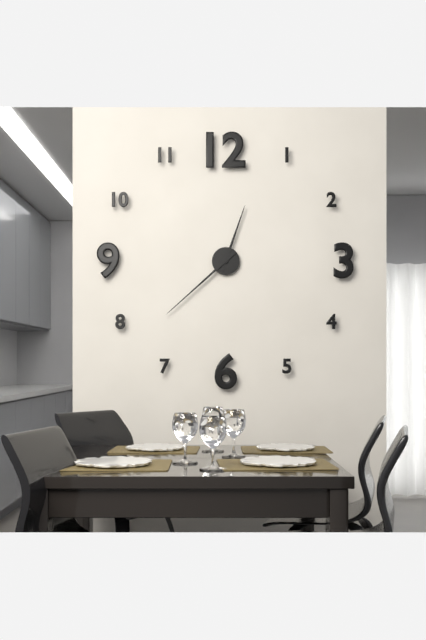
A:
12,38
